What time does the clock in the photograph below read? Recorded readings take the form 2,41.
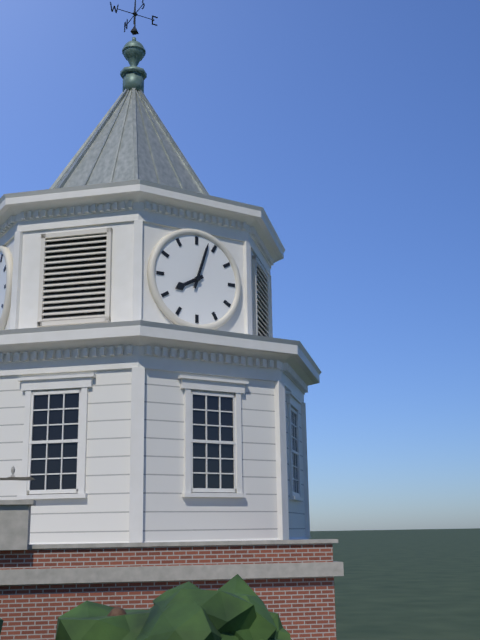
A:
8,03
